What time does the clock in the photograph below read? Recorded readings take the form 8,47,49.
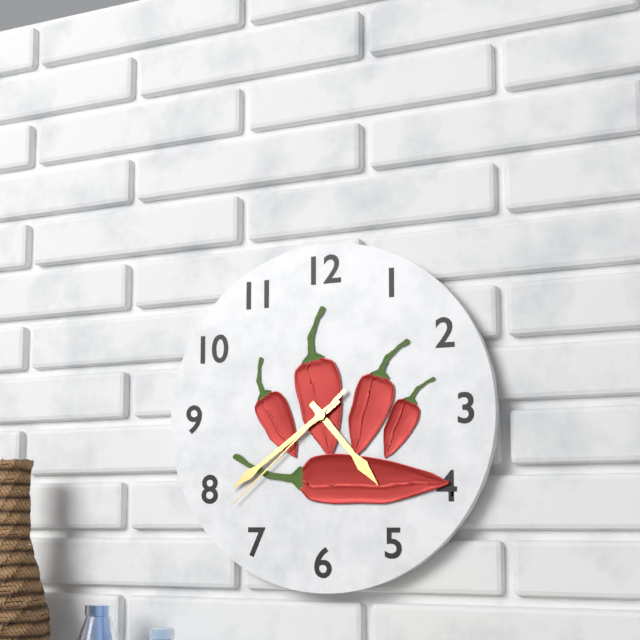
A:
4,39,38
